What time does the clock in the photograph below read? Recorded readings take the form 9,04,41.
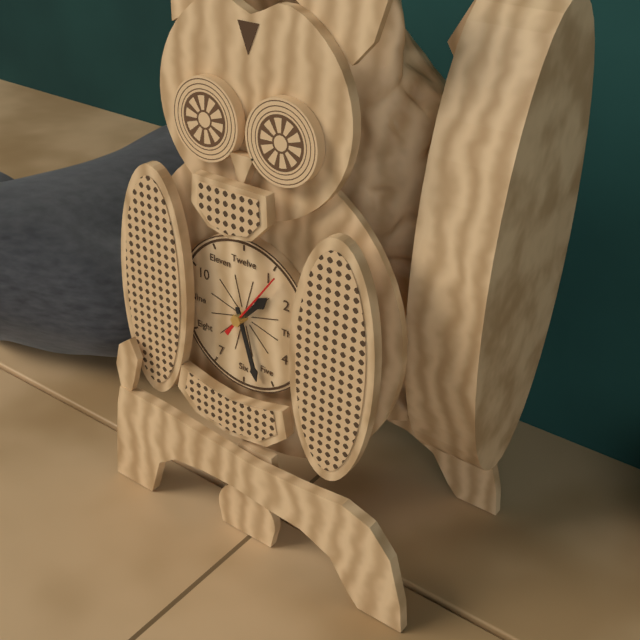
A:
1,27,06
